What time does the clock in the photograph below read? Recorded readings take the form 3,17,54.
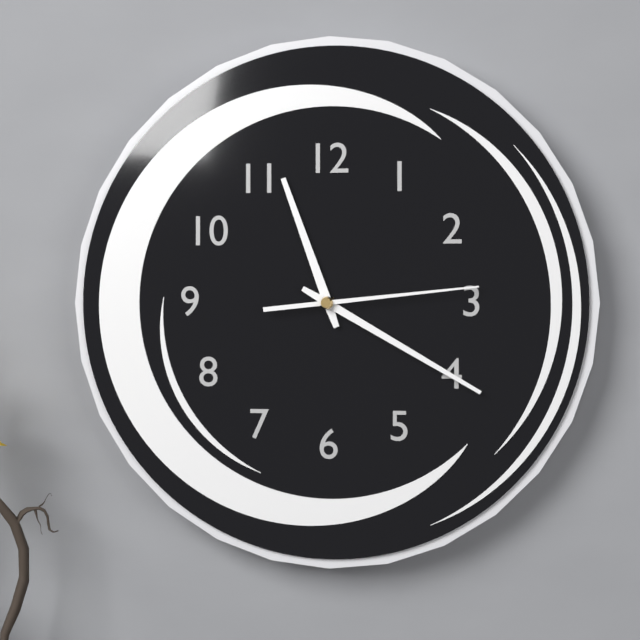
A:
11,20,14
